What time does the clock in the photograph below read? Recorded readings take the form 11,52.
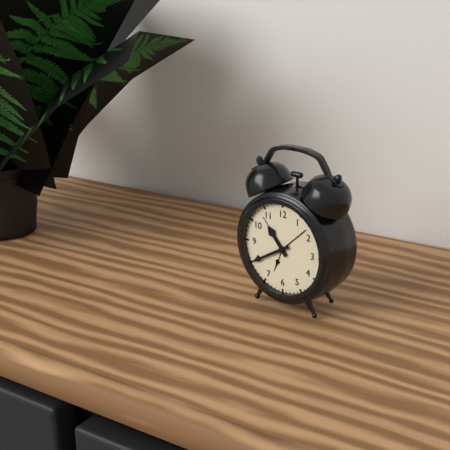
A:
10,40
